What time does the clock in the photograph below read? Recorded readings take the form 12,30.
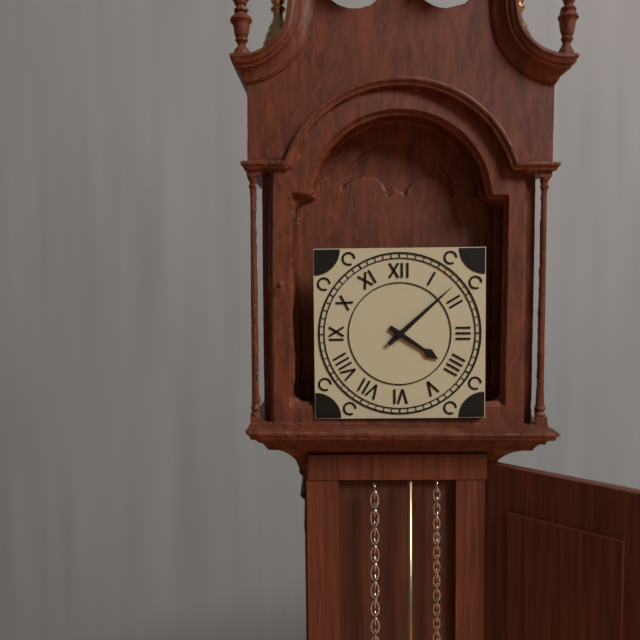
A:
4,08
